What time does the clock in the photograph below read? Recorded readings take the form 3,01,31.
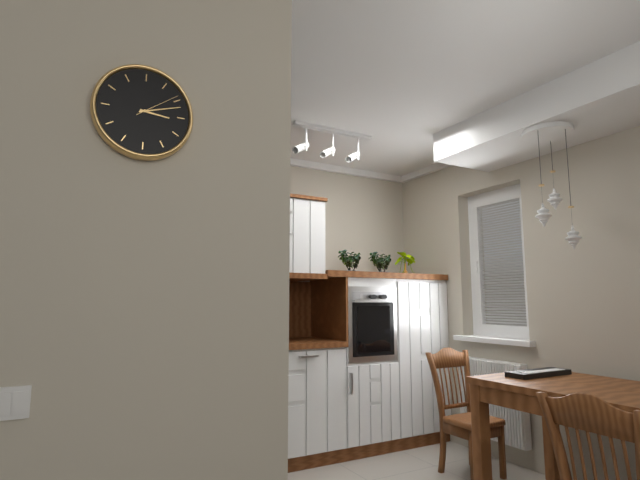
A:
3,12,09
